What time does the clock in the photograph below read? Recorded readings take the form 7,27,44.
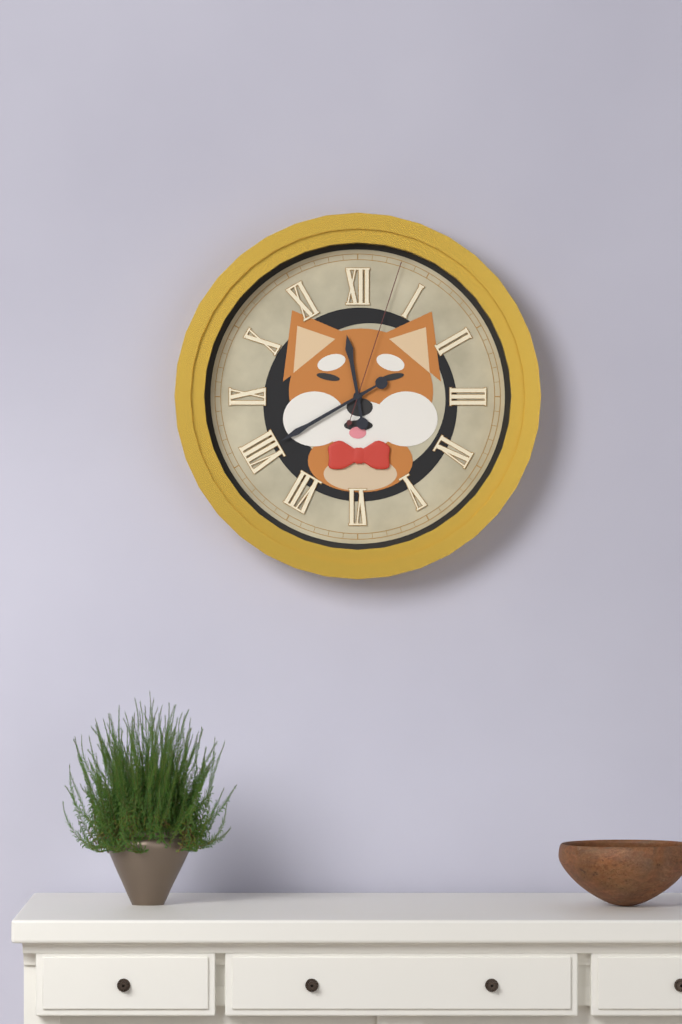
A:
11,40,03
